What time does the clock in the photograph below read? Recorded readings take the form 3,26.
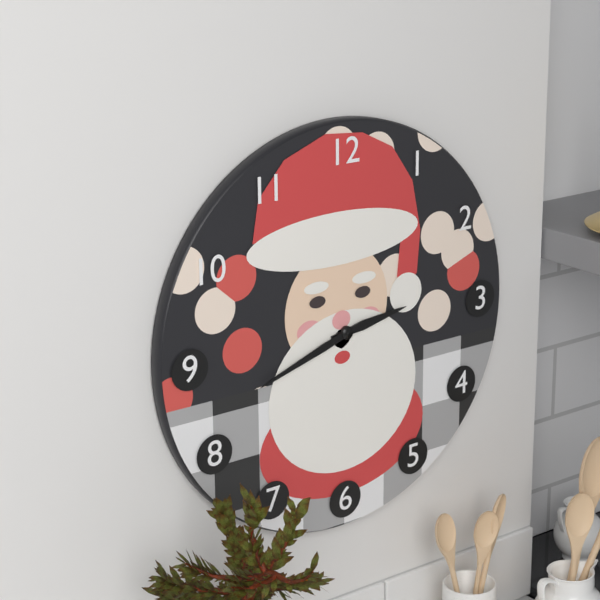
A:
2,42
